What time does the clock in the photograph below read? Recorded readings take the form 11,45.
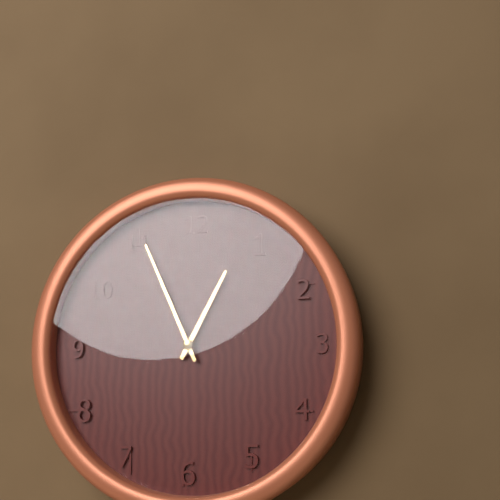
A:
12,56
